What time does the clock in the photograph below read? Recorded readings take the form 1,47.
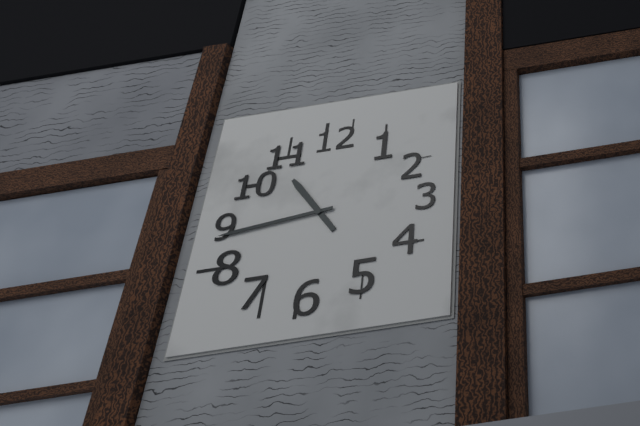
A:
10,44
